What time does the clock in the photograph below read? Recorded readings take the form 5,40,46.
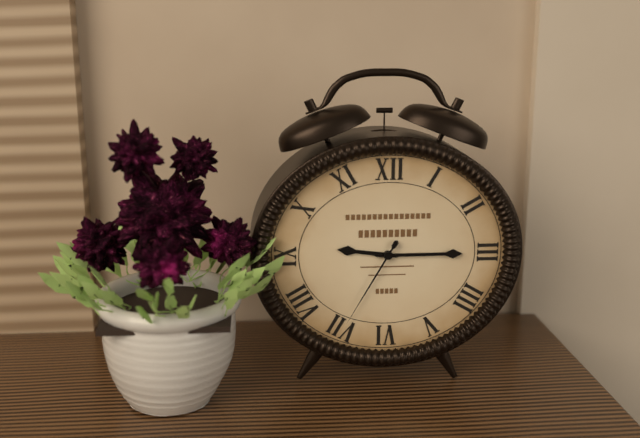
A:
9,15,35
